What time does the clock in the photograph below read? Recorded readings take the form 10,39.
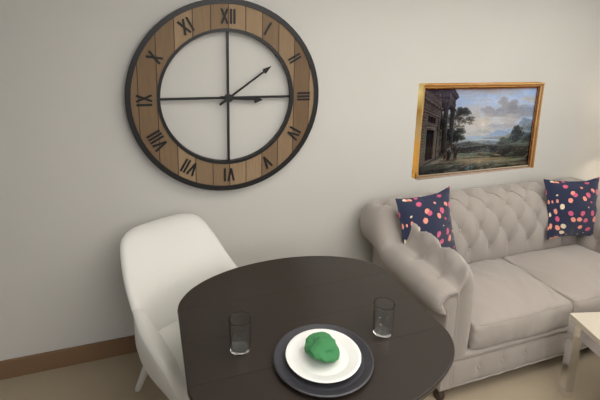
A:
3,09
